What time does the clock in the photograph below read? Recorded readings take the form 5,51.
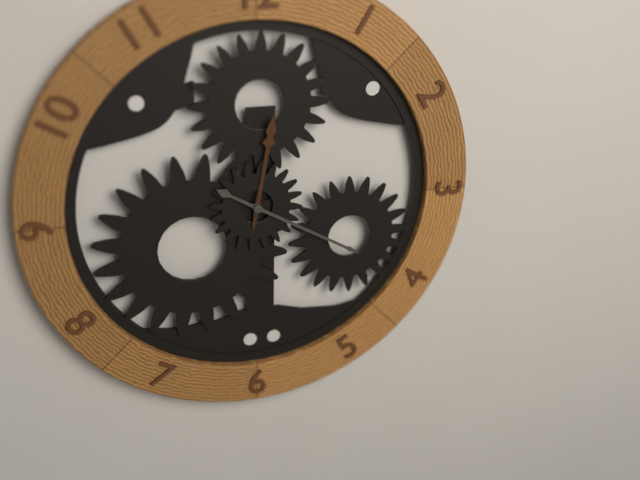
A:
12,20
